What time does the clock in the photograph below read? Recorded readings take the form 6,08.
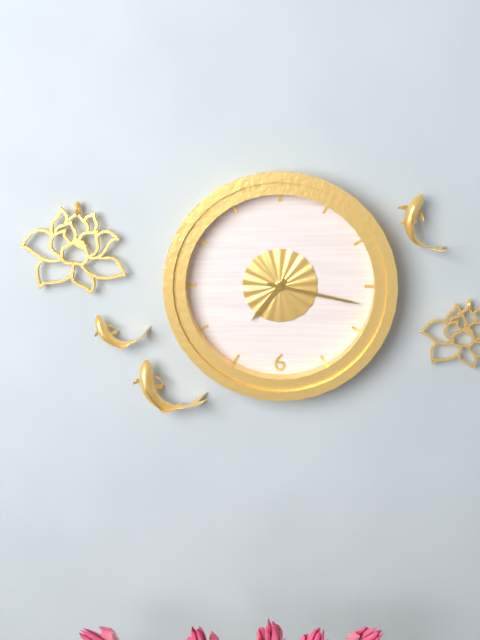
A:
7,17
